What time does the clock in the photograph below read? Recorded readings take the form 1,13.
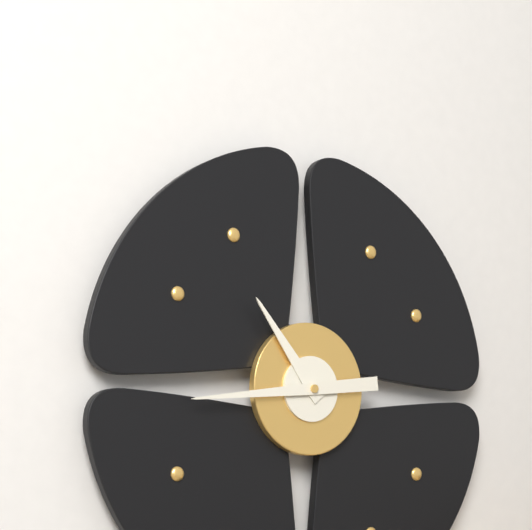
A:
10,44
